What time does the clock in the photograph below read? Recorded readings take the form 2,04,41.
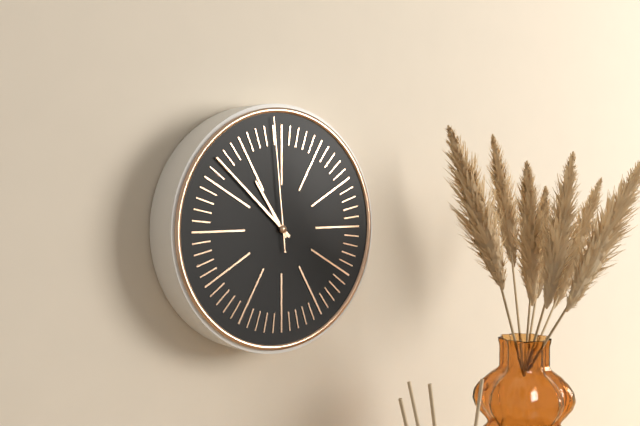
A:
10,52,59
